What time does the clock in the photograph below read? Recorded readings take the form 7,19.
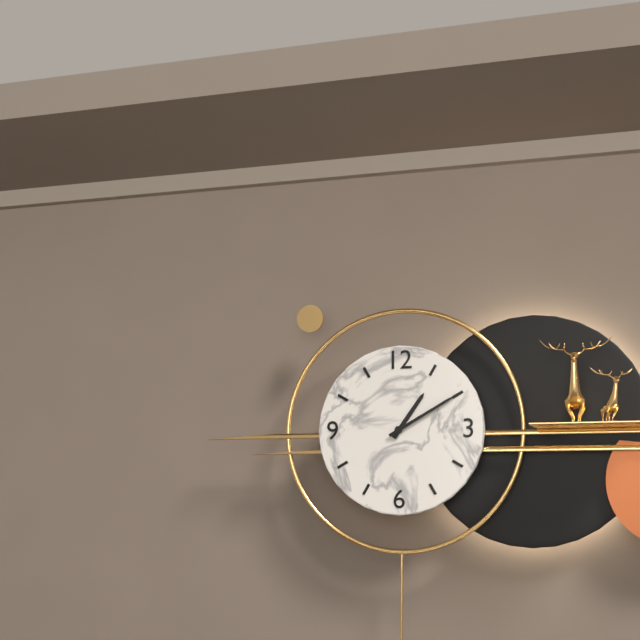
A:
1,10
